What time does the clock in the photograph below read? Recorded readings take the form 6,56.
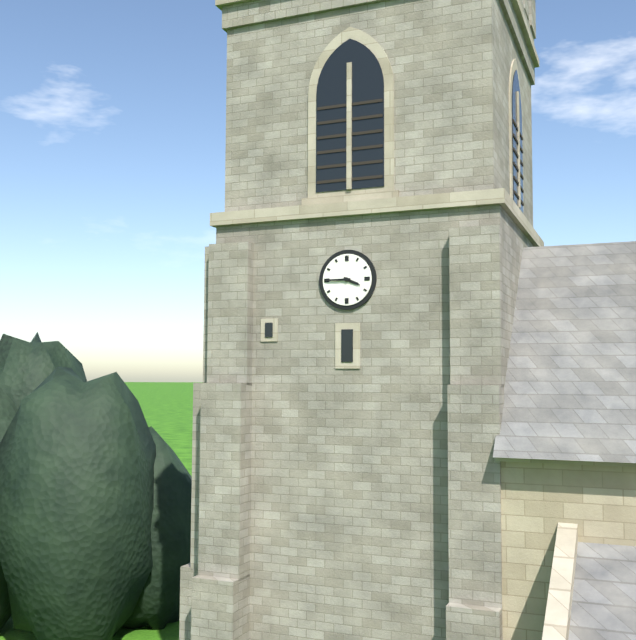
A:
3,45
